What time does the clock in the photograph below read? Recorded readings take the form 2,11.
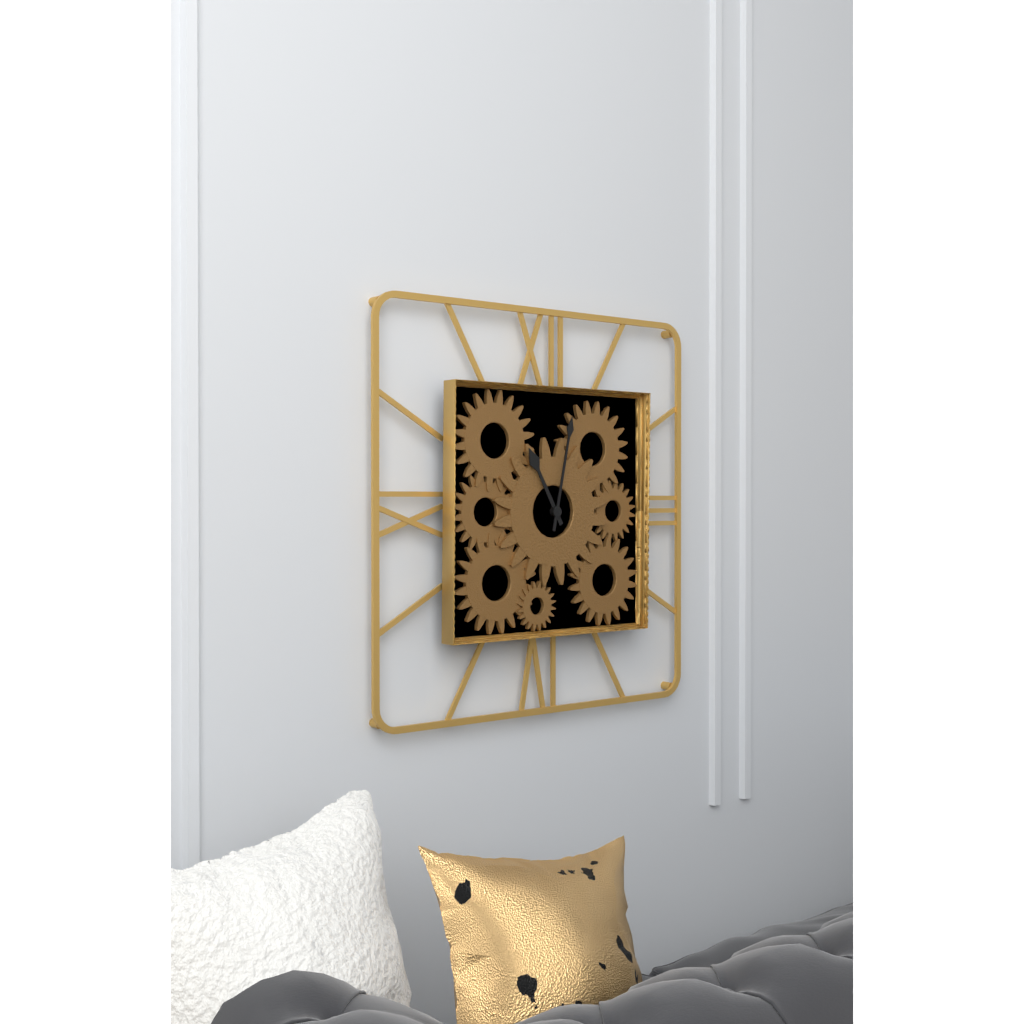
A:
11,02
